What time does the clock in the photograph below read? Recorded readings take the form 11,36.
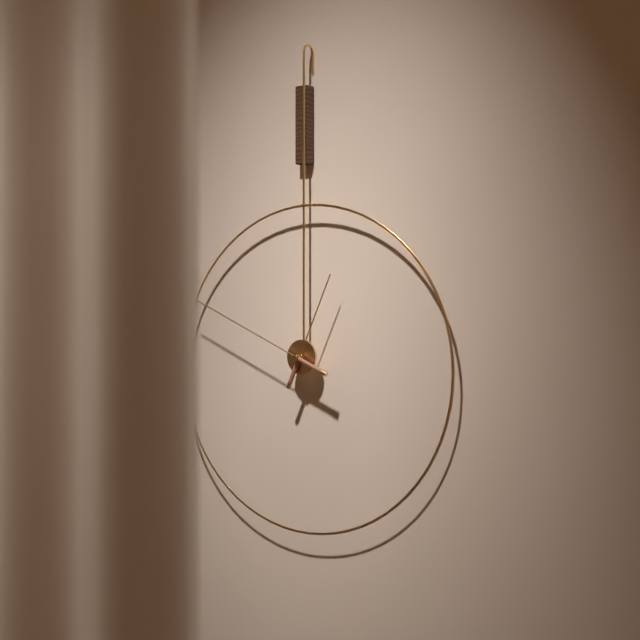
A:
12,49
